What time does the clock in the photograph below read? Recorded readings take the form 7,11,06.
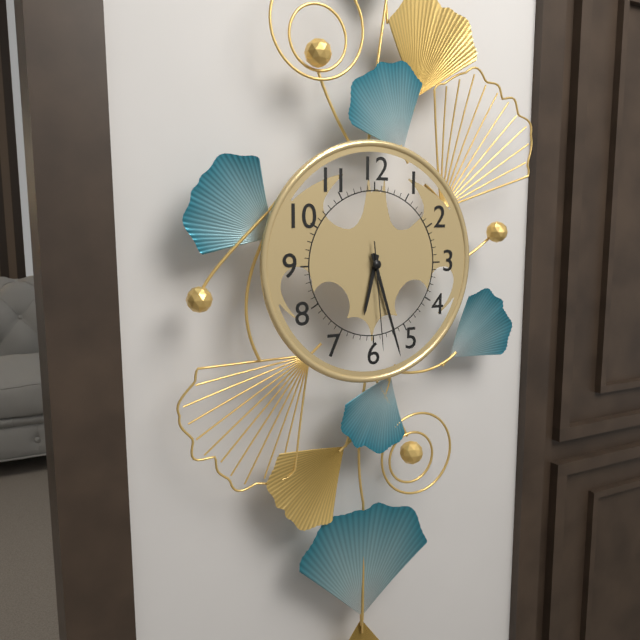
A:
6,27,29
